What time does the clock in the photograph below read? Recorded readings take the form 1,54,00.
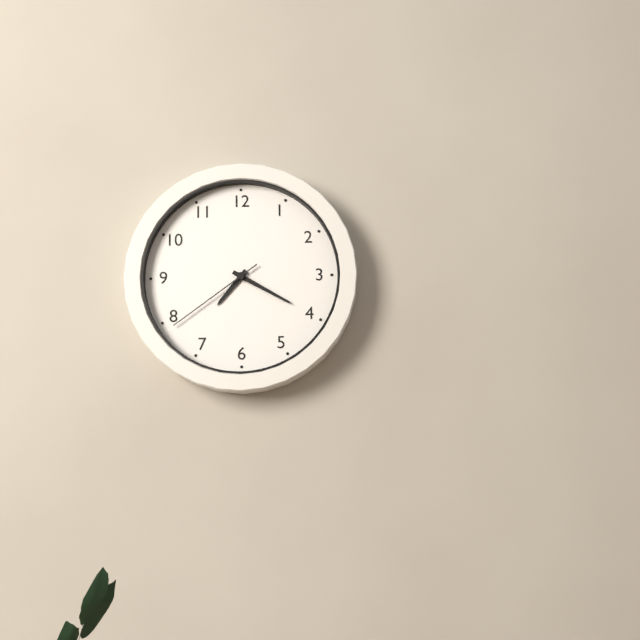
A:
7,20,39
